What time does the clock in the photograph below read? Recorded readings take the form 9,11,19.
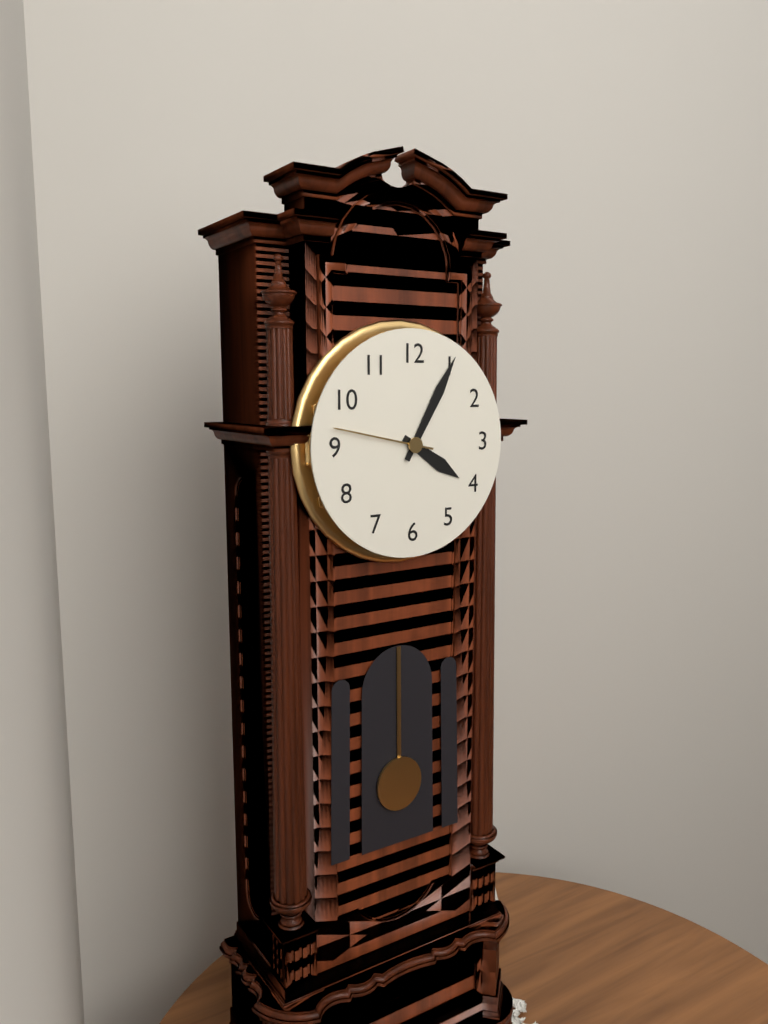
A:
4,05,47
